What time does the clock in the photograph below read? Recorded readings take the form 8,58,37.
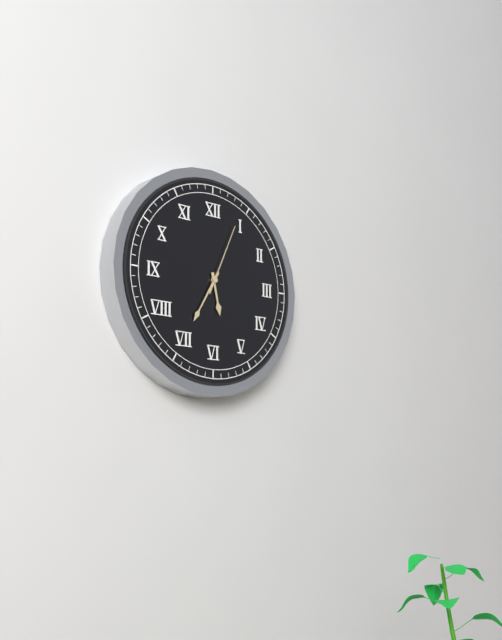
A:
5,35,04
